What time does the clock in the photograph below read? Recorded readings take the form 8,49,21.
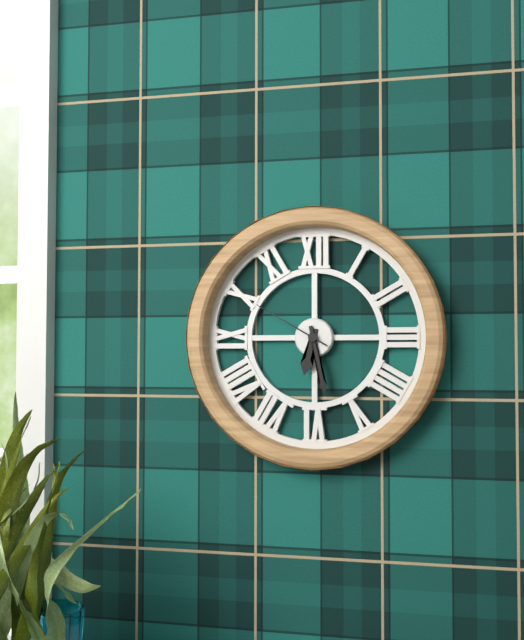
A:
6,28,50
